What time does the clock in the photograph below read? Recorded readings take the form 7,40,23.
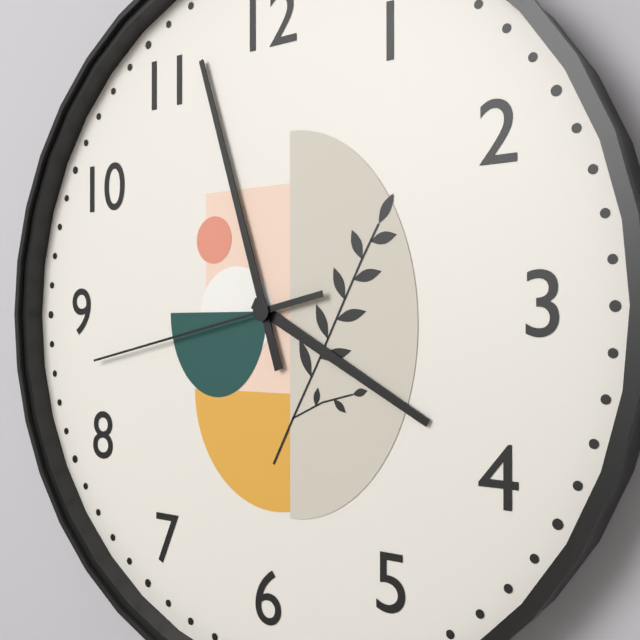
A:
3,57,43
